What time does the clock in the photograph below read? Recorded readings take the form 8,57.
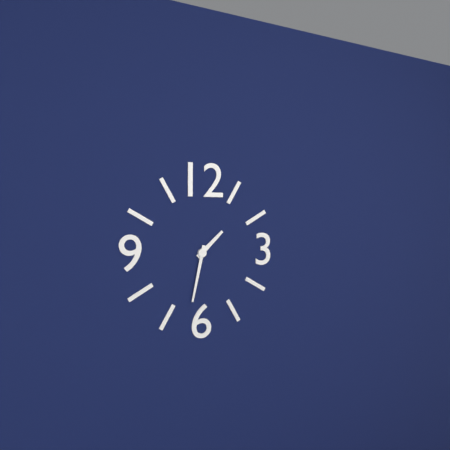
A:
1,32
